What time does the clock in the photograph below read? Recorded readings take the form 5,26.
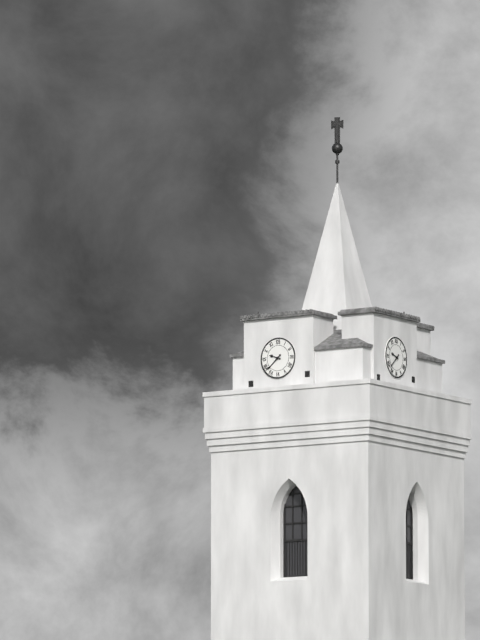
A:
9,38
